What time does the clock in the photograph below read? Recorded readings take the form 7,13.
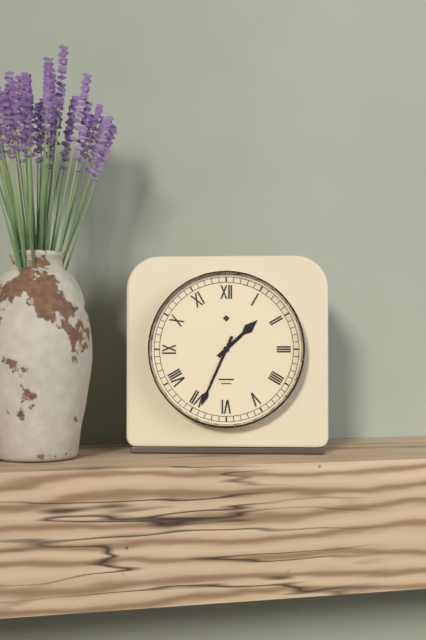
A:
1,34
